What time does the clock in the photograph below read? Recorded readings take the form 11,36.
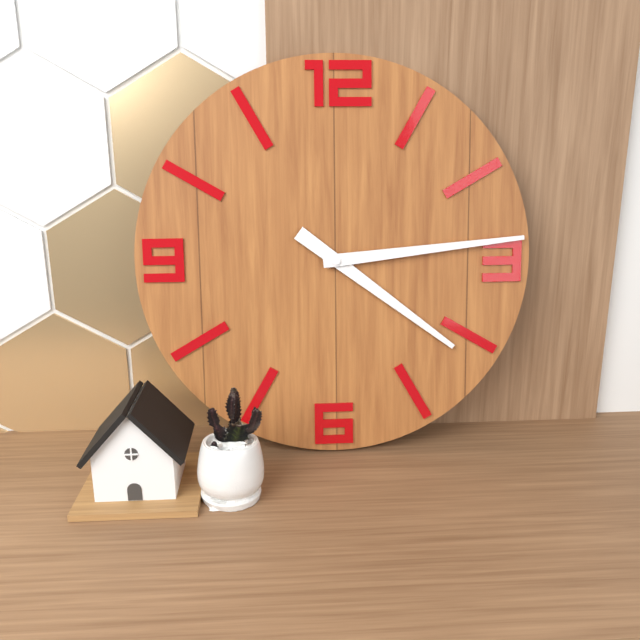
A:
4,14
